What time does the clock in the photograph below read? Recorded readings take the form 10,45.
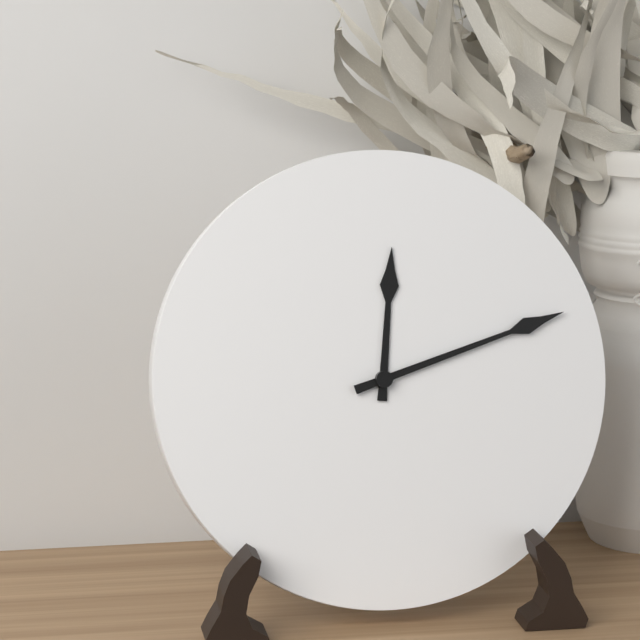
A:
12,12
